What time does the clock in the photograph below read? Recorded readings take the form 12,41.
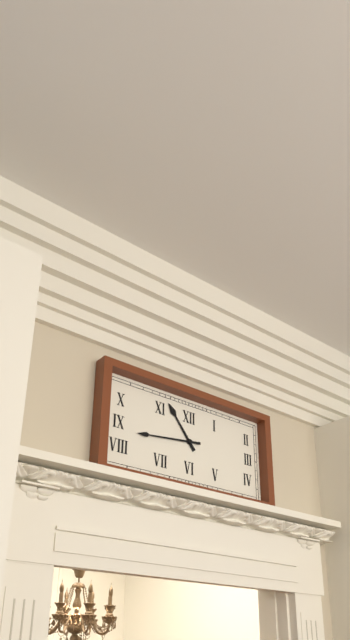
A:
10,44
